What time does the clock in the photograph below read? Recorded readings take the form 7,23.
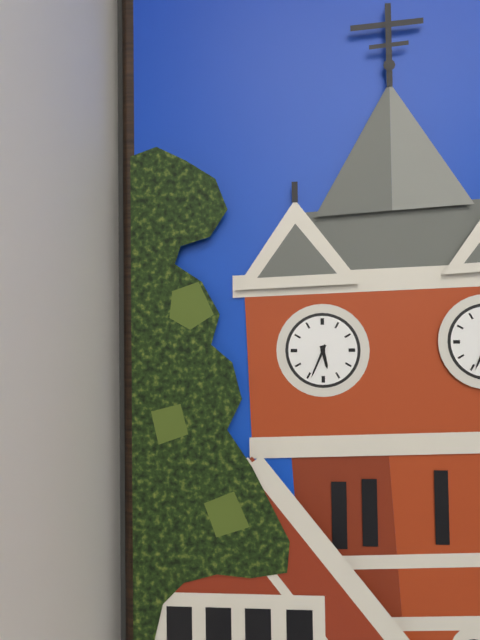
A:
5,34
